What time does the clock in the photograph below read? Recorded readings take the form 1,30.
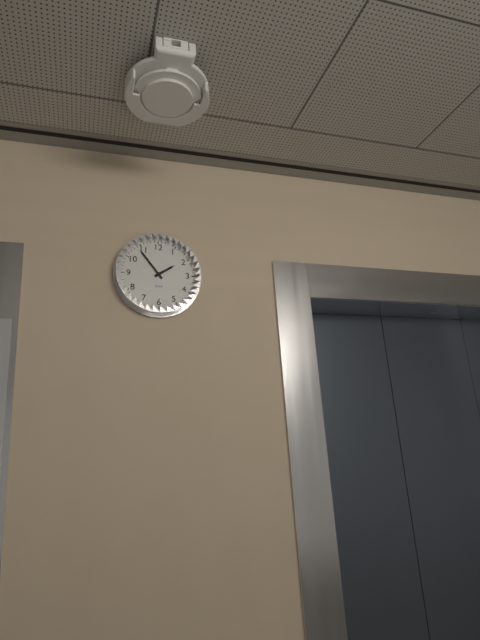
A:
1,54
